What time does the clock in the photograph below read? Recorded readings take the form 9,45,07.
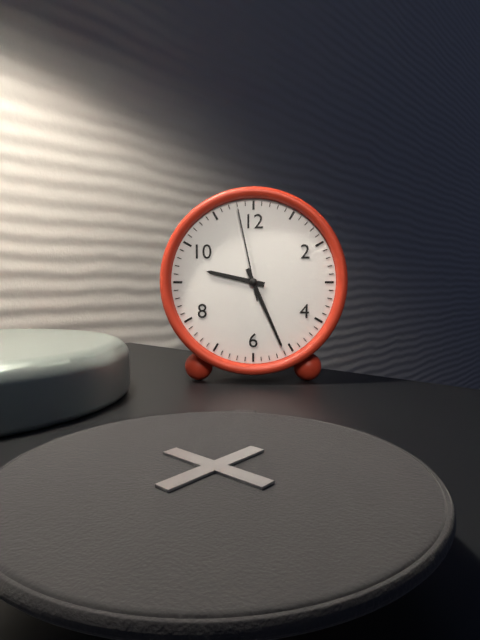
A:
9,26,58
